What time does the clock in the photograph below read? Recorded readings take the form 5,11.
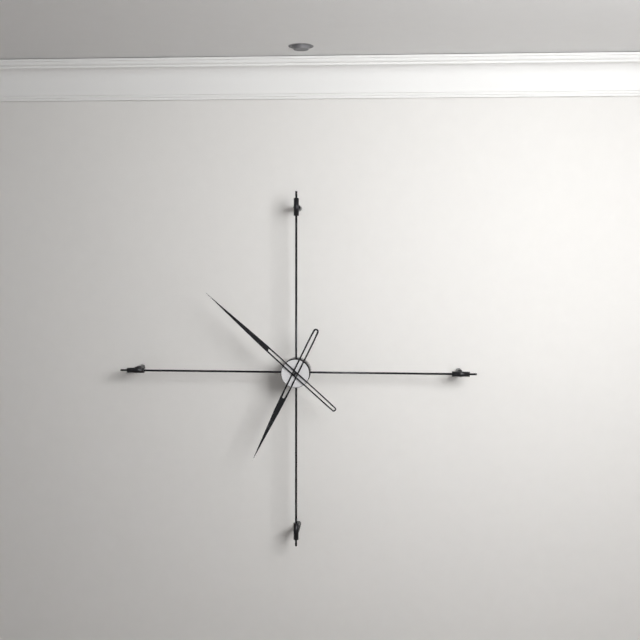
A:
6,52
